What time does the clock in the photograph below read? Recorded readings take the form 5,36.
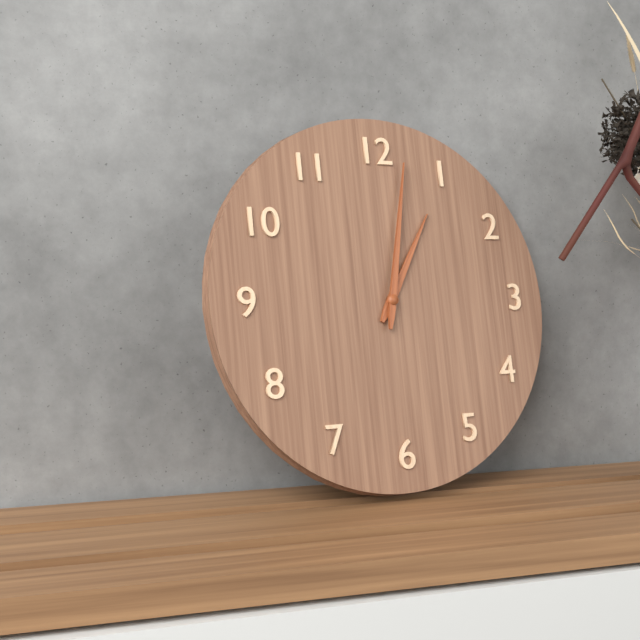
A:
1,02
